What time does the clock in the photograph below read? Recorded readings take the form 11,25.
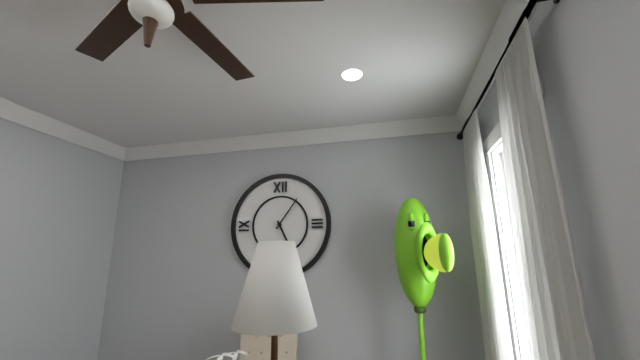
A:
5,06
